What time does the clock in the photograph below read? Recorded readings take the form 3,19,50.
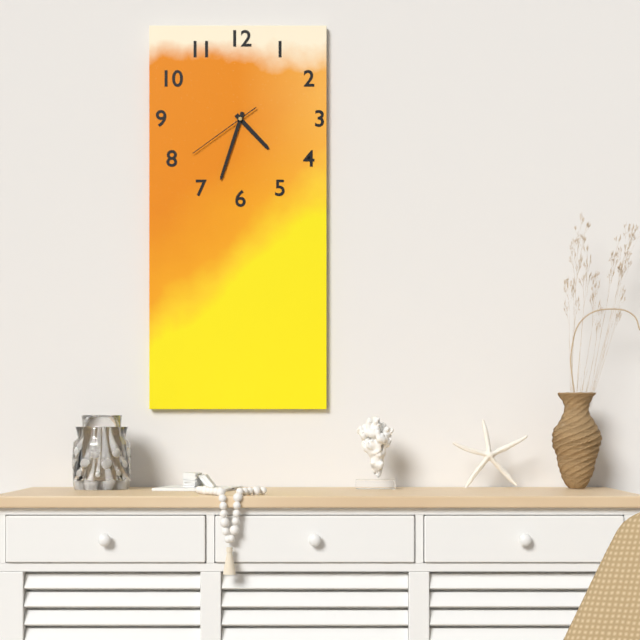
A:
4,33,39
